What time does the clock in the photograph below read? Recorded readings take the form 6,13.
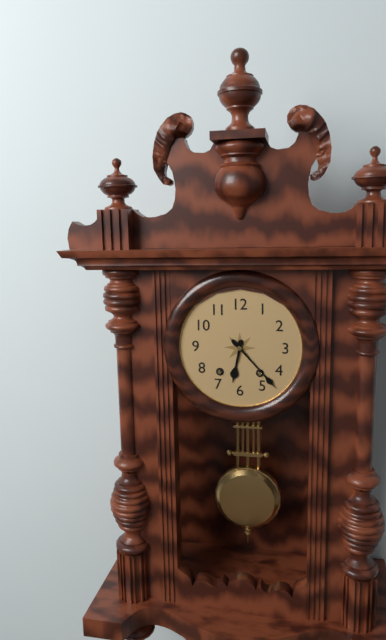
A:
6,23
